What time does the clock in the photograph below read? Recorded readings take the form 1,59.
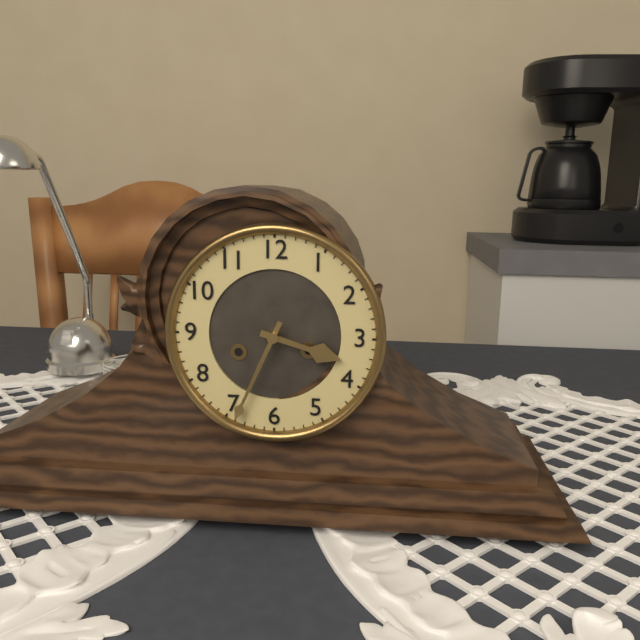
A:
3,34
